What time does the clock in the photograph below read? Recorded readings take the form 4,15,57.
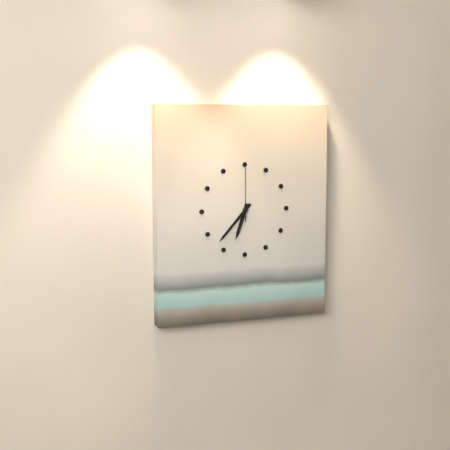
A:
6,37,00
